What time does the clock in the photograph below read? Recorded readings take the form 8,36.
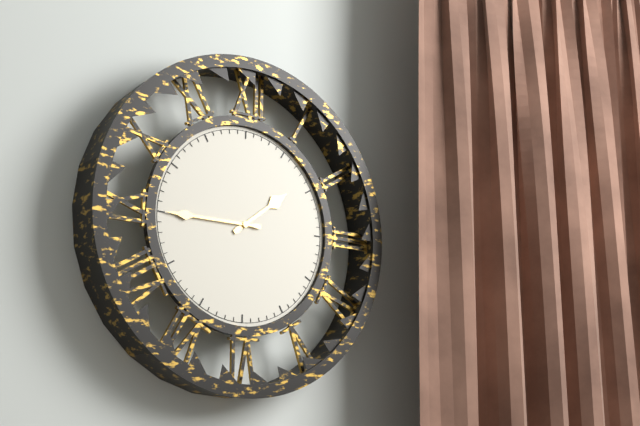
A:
1,45
